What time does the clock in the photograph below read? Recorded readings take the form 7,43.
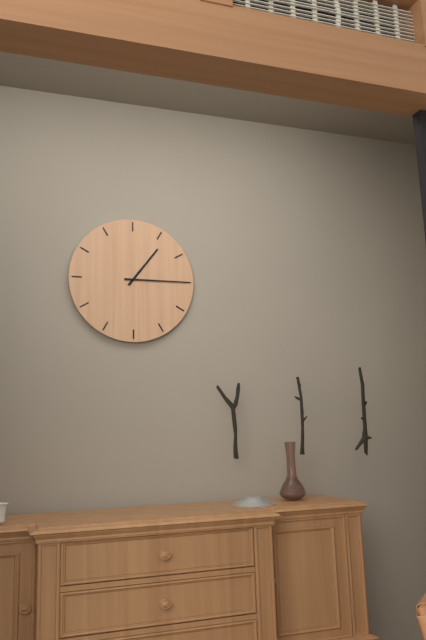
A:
1,15
